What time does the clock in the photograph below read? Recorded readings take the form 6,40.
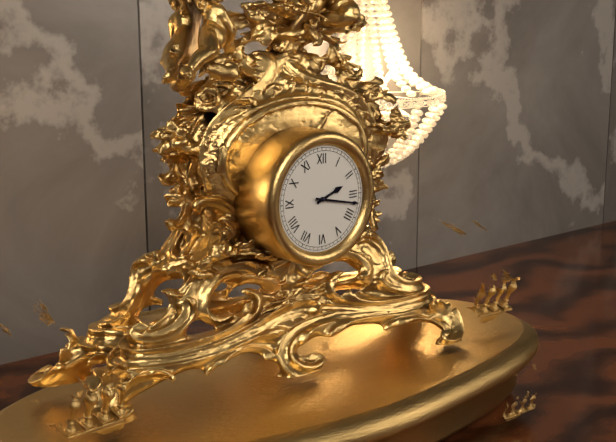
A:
2,17
